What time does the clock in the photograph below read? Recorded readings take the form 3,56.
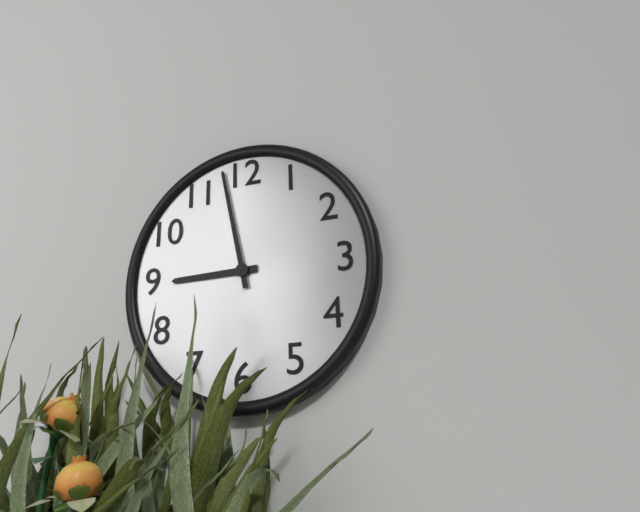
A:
8,58
